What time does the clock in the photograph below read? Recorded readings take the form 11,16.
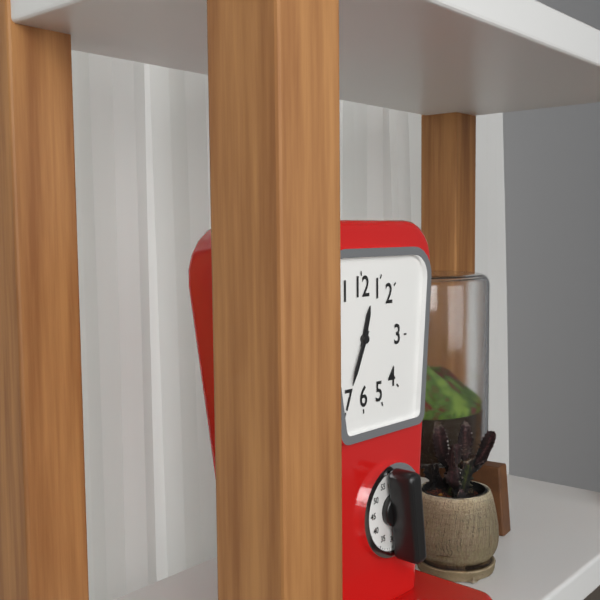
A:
12,34
